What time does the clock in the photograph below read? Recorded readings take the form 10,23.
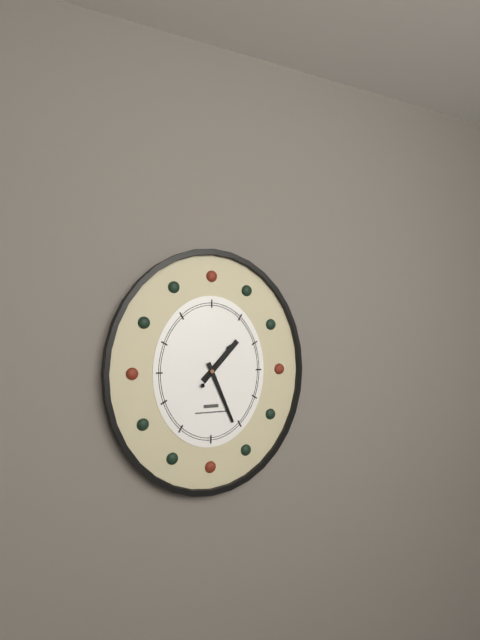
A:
1,26
